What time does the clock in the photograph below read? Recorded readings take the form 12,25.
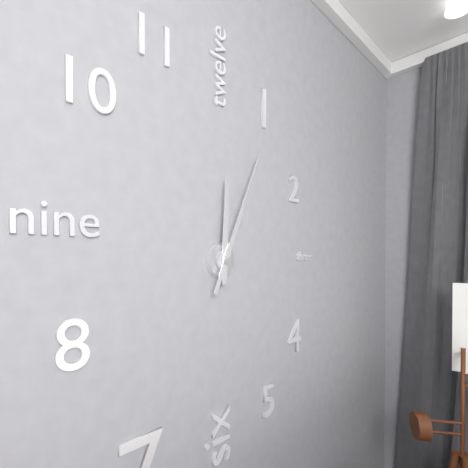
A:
12,04
